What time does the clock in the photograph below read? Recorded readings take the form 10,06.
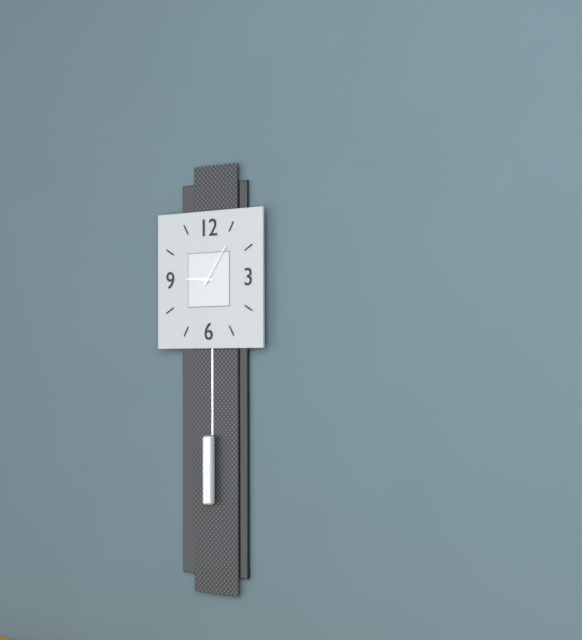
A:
9,06
